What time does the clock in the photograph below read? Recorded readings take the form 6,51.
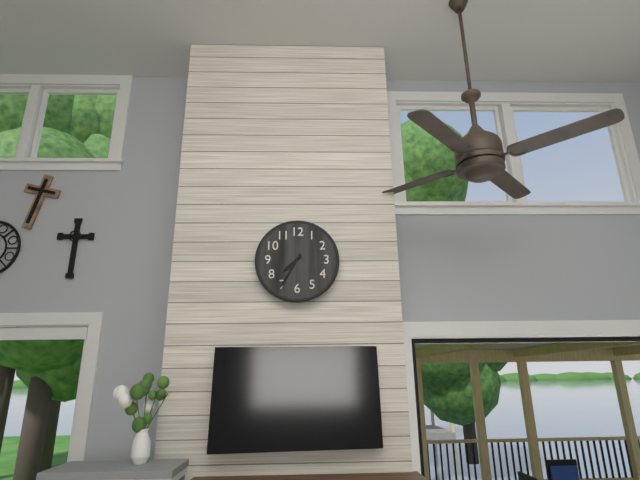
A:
7,35
